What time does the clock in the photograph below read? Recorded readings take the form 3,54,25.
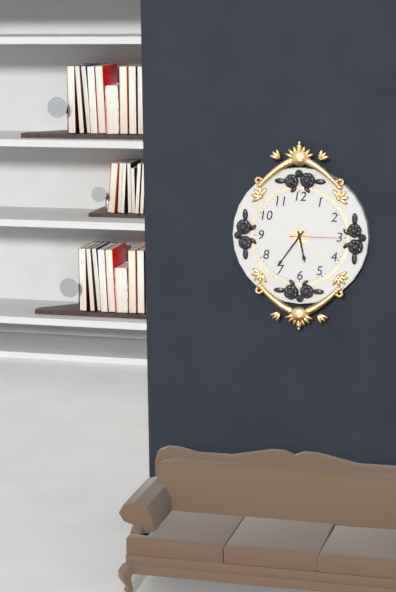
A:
5,36,15
